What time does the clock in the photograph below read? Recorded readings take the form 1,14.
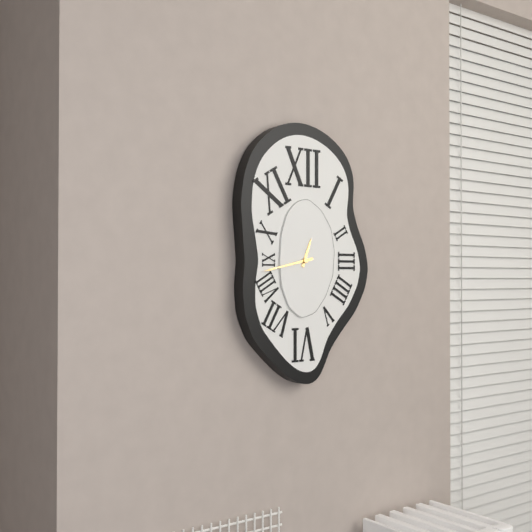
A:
12,43
